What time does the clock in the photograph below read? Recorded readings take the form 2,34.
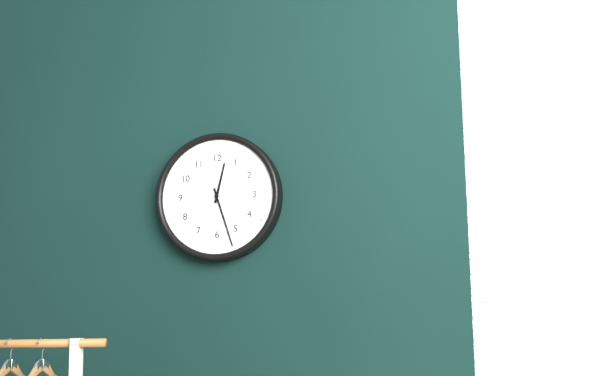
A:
12,27
